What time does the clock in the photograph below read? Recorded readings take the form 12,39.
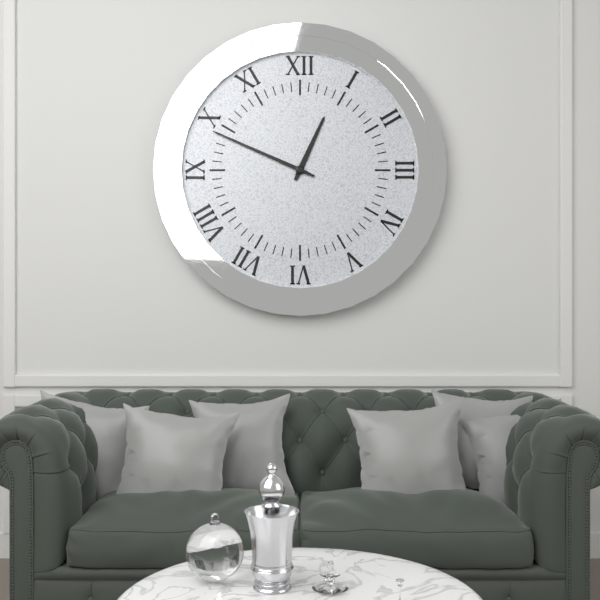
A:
12,49
